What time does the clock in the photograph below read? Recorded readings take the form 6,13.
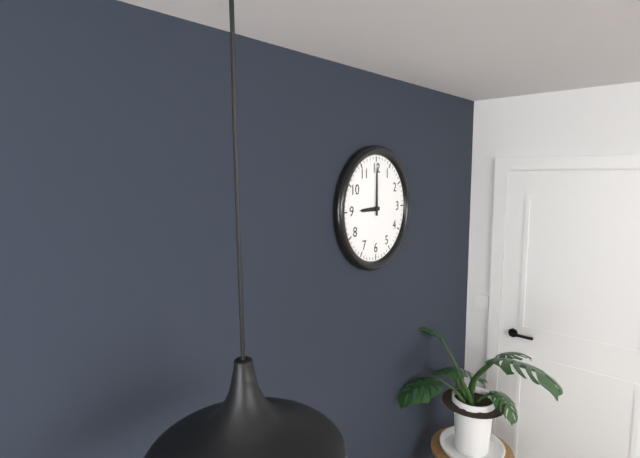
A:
9,00
